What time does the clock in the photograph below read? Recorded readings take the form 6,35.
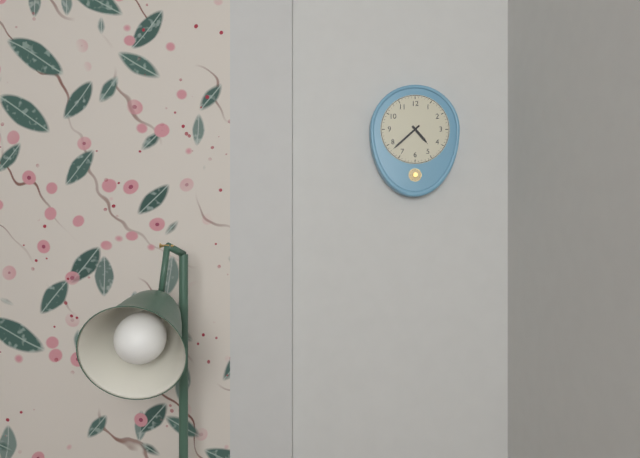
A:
4,38
